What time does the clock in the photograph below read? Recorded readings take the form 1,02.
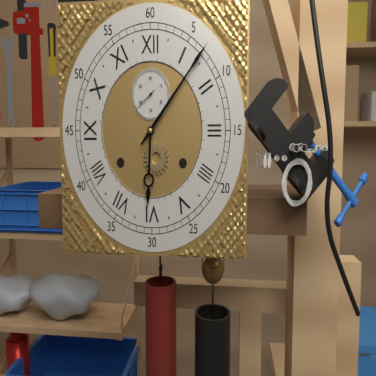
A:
6,07
